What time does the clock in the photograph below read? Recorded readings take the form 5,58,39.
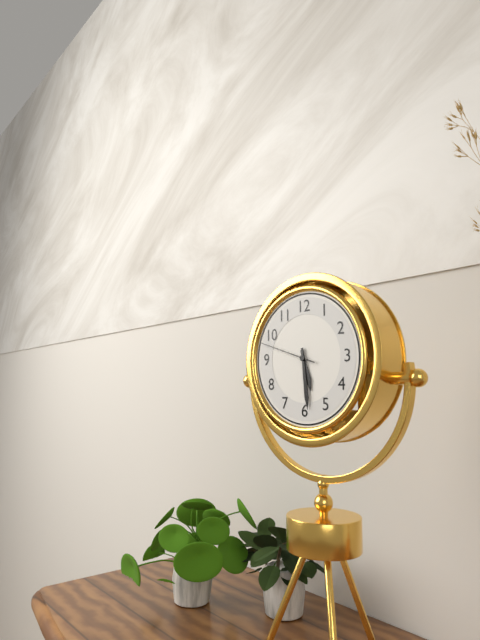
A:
5,29,48
